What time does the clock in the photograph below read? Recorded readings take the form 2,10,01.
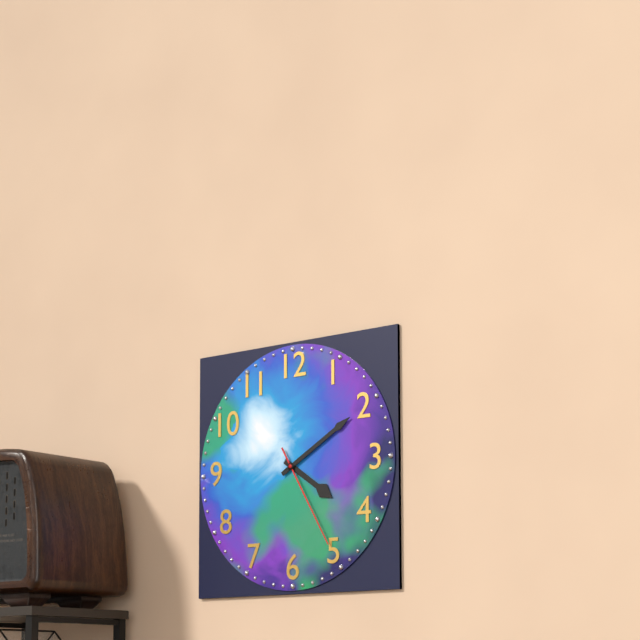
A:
4,10,25
